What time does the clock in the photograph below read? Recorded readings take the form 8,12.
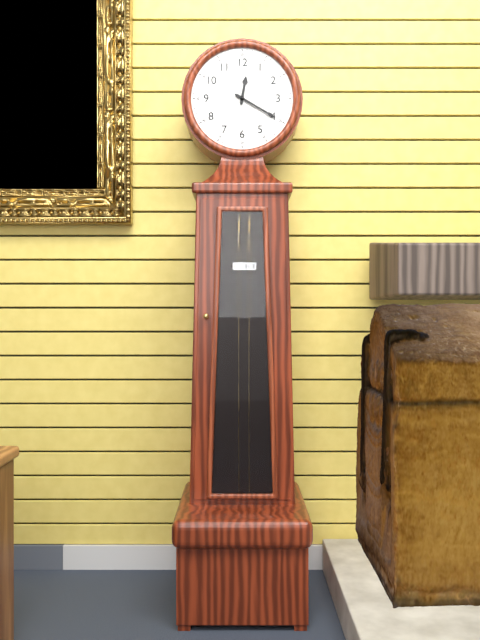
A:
12,20
